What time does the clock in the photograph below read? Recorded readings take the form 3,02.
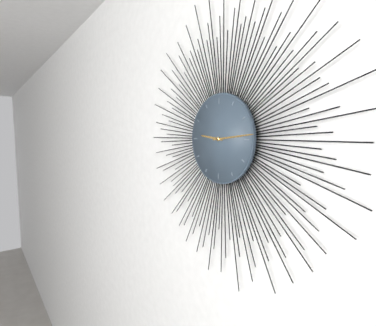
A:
9,14
